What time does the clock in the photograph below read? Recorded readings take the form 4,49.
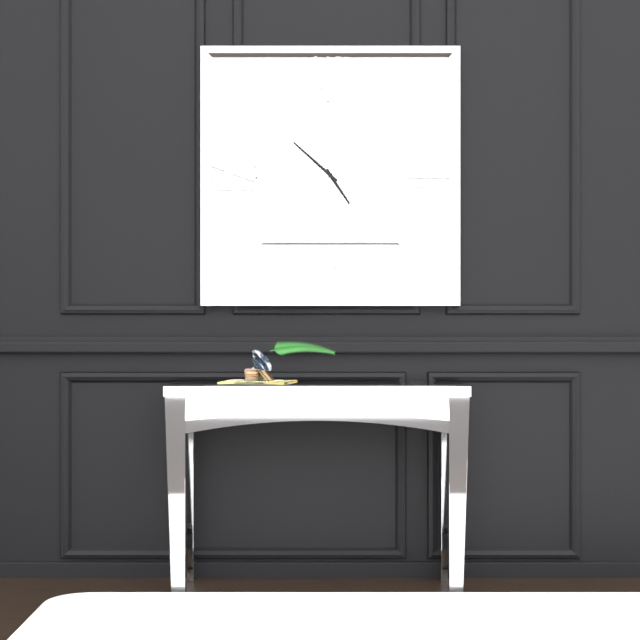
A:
4,52
